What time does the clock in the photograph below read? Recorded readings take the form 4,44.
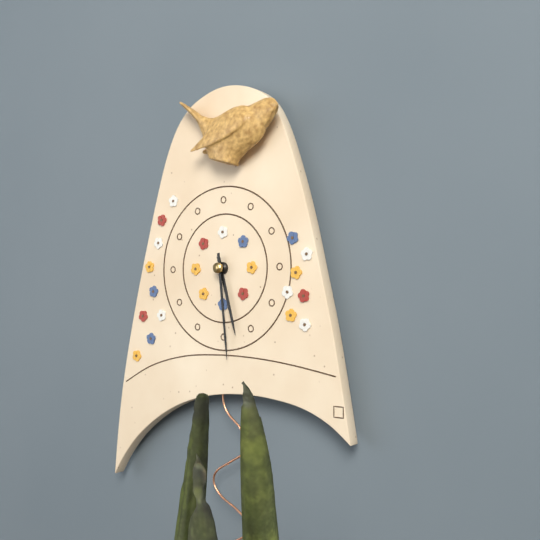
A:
5,29
